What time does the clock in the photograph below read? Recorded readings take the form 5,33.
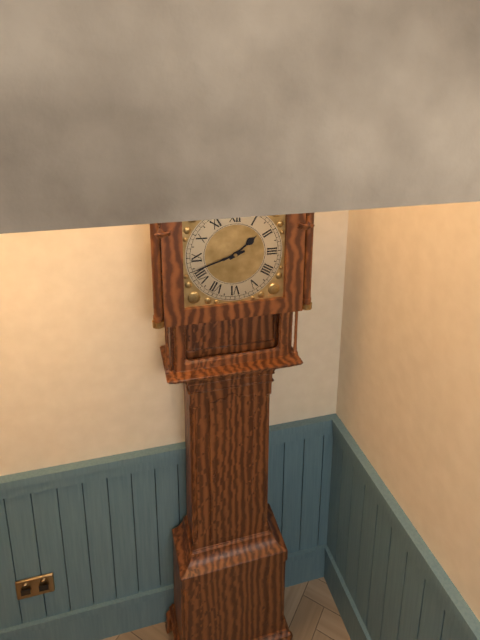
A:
1,42
